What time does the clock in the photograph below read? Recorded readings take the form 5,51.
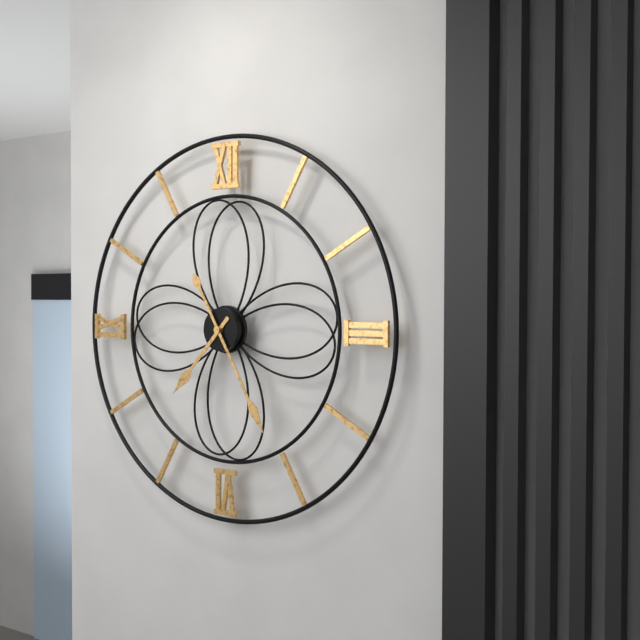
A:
7,25
